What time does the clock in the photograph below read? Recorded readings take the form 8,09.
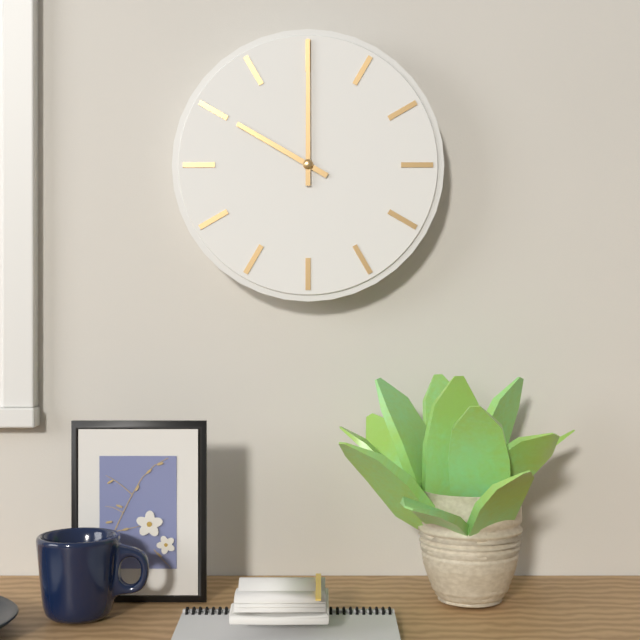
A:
10,00
